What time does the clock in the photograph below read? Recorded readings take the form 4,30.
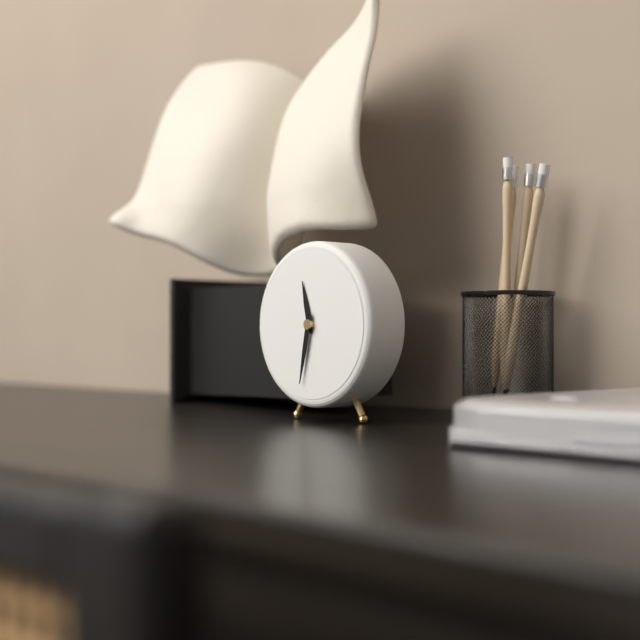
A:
11,32
